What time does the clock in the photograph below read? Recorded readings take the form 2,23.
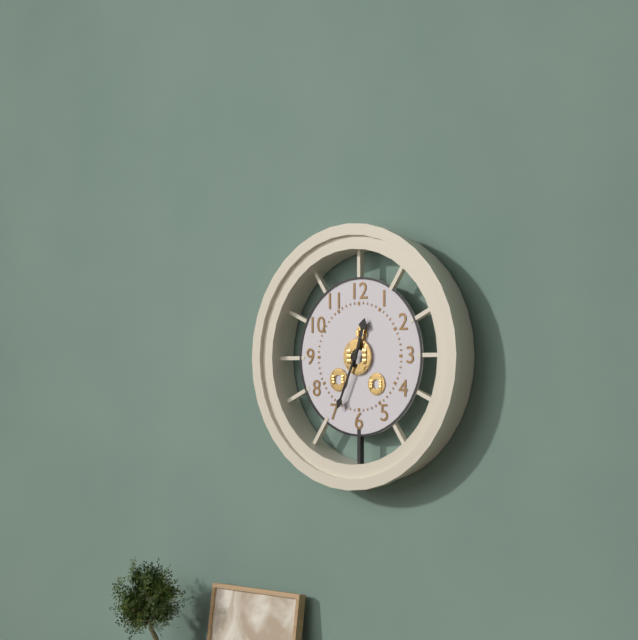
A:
12,34
